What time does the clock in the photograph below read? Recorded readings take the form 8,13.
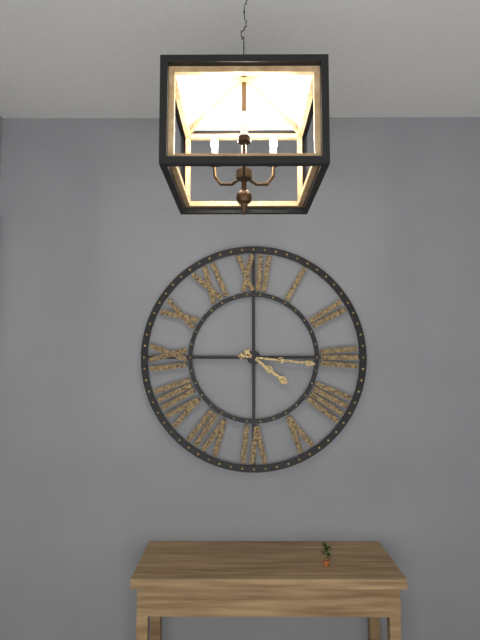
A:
4,16
